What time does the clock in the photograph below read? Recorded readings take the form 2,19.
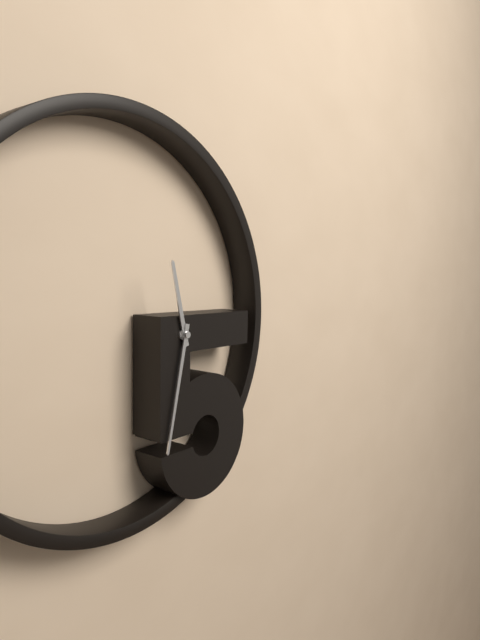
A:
11,32
